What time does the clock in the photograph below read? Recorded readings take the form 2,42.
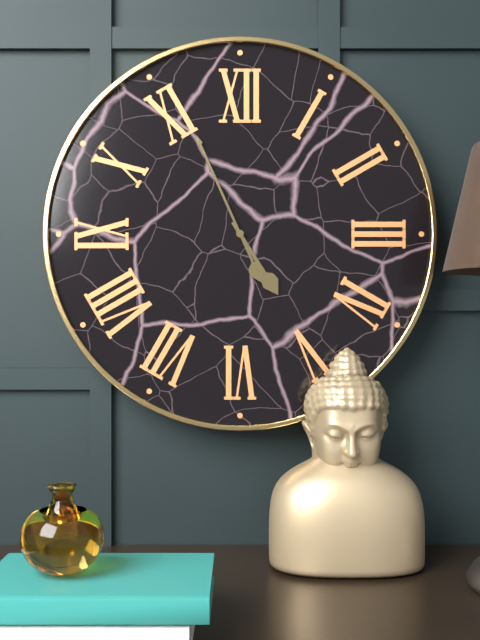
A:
4,56
